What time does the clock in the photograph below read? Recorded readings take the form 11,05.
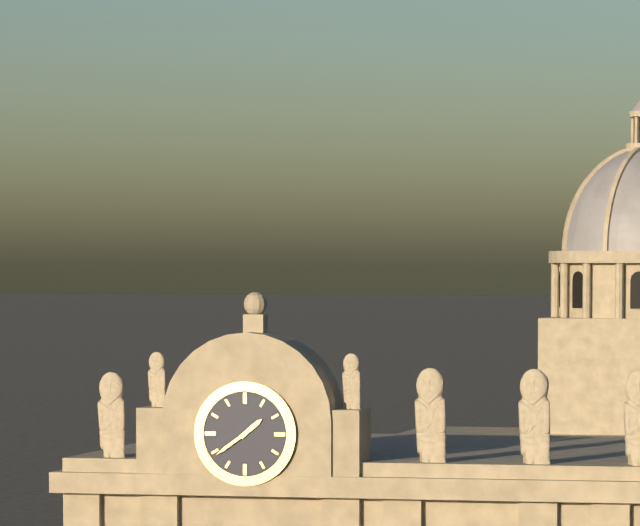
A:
1,39
